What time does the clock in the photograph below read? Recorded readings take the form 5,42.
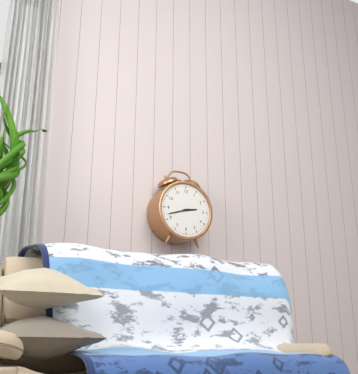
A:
2,42
